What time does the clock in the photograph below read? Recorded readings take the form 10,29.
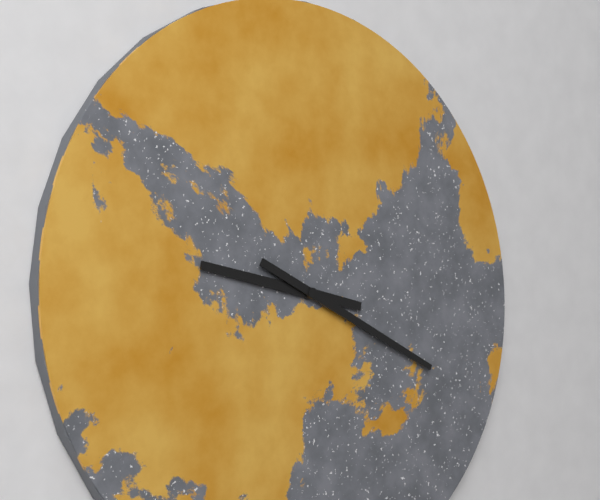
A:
9,19
